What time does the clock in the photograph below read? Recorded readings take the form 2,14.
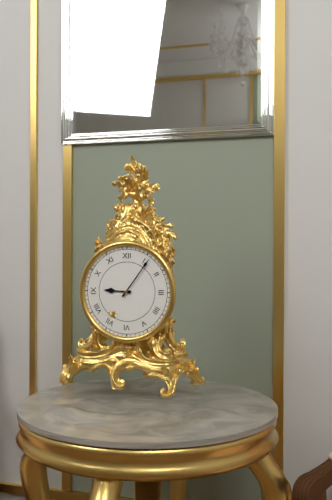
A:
9,06
